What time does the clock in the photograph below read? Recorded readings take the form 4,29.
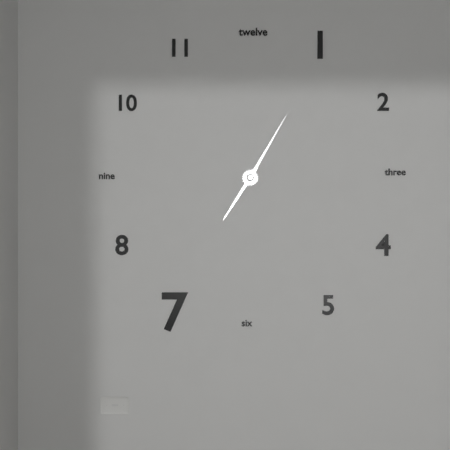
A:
7,05
